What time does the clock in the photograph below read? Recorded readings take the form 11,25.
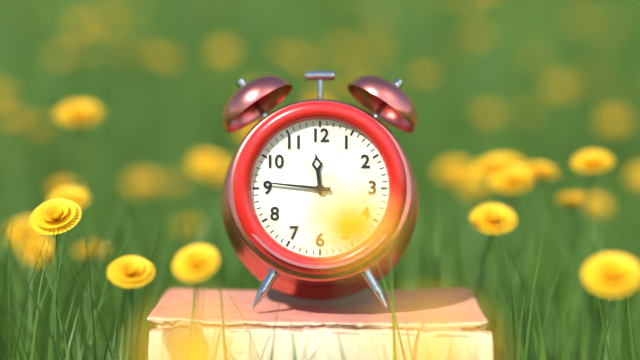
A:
11,46
